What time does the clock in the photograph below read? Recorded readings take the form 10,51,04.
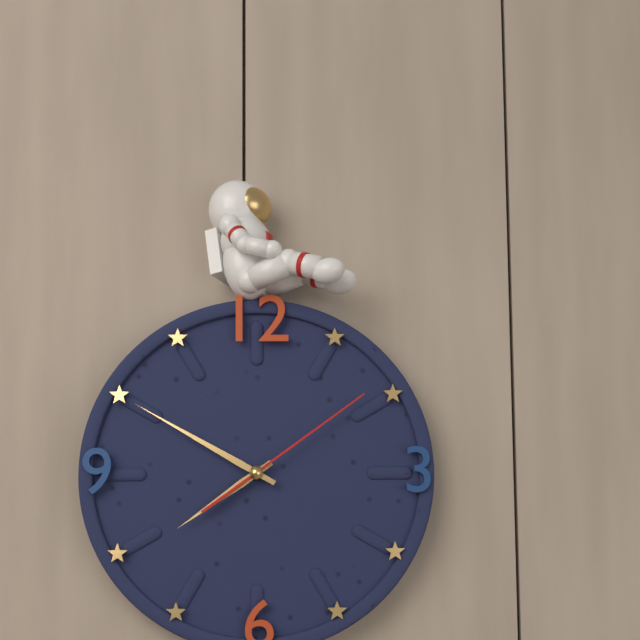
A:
7,50,09
